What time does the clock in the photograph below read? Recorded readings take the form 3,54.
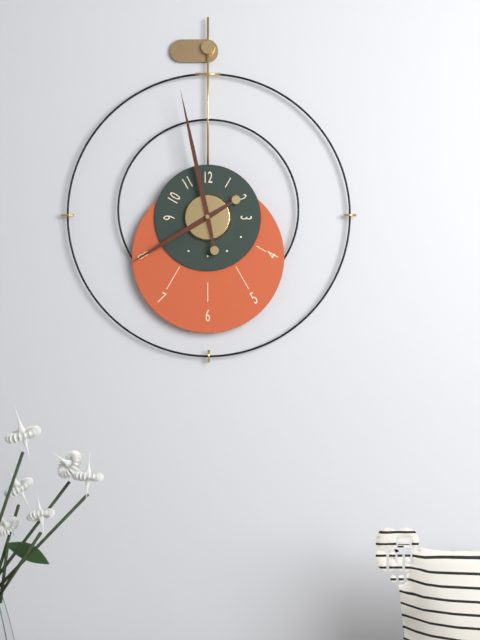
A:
7,58
